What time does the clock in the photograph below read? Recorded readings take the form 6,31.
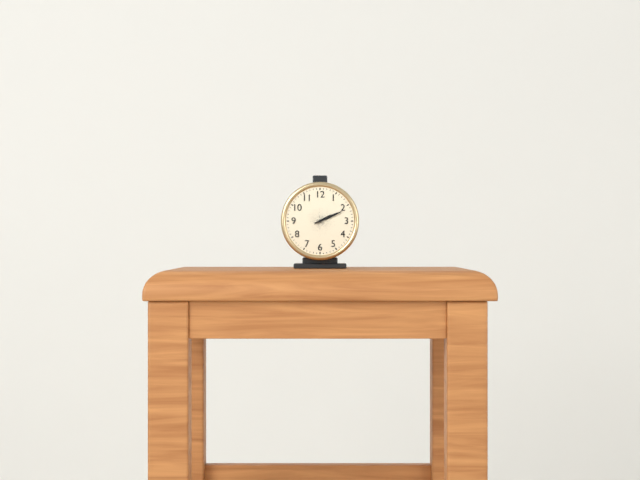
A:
2,11
